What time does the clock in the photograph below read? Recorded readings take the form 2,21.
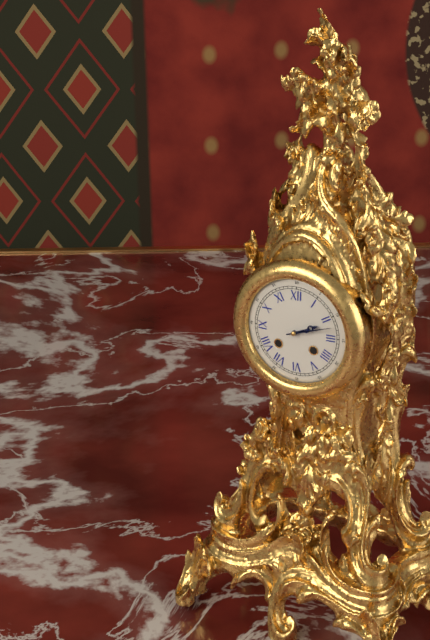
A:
2,12
